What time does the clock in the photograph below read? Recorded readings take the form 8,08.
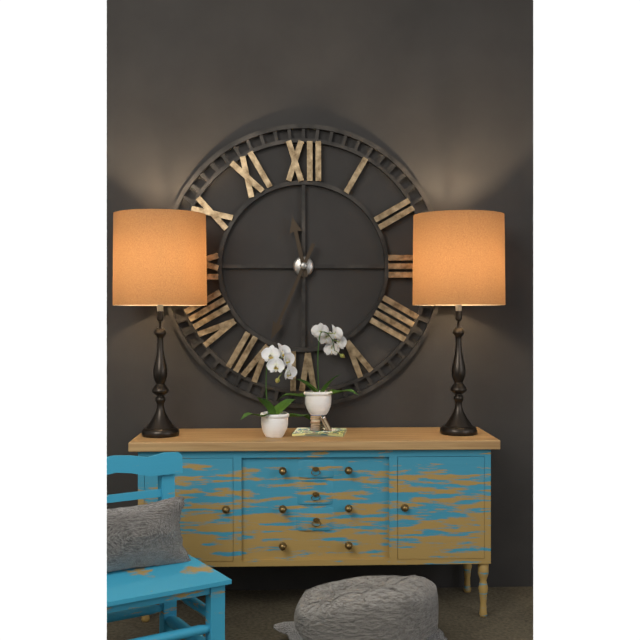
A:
11,34
